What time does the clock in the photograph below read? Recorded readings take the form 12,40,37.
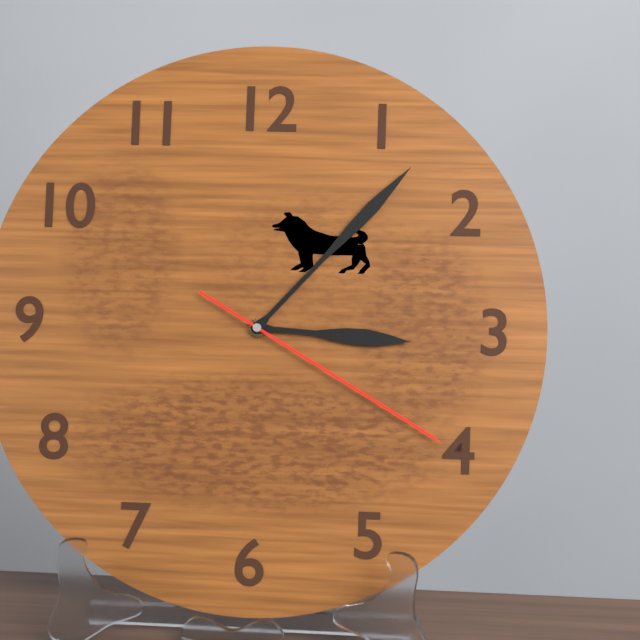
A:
3,07,20
